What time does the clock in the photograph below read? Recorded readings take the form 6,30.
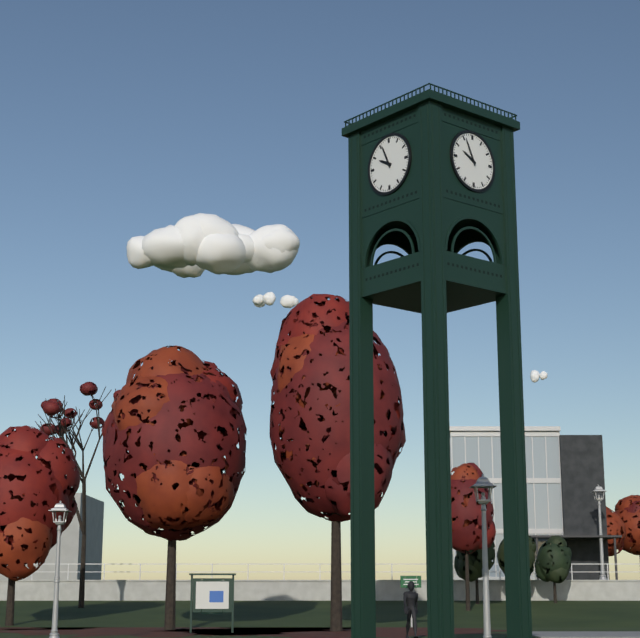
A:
9,56
